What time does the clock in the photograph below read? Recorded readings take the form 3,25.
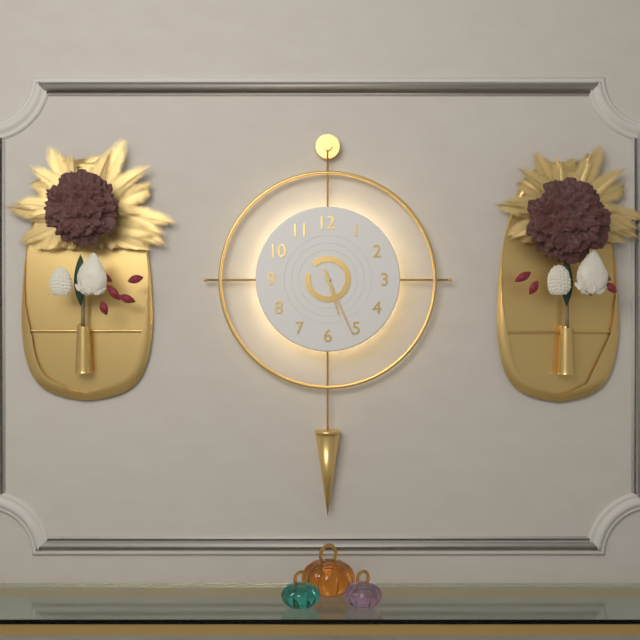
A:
5,26
